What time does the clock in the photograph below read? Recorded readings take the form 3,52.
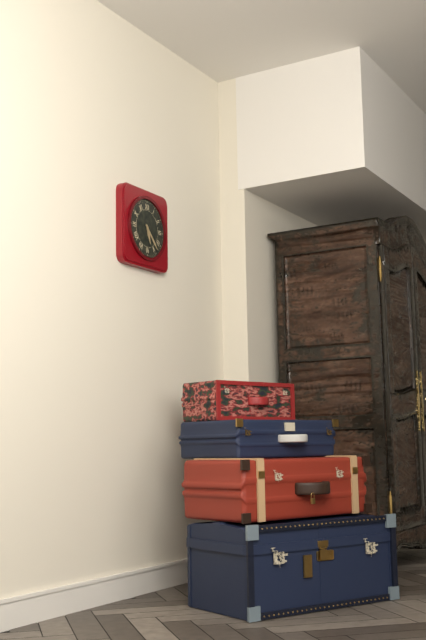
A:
5,23
